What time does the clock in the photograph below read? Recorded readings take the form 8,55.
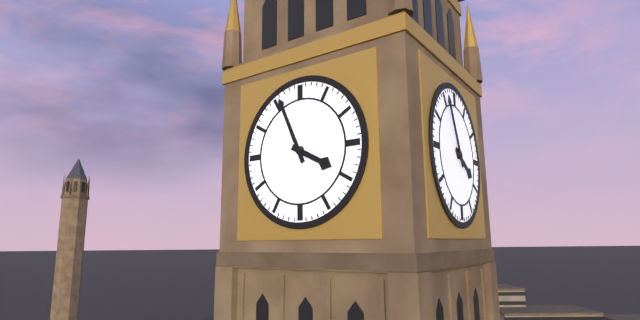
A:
3,56
